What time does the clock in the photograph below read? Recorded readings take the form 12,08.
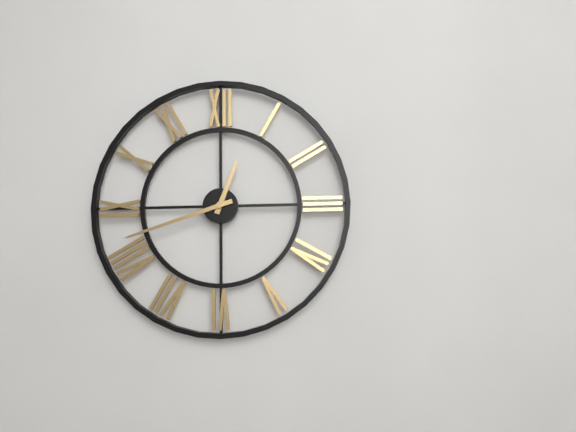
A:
12,42
